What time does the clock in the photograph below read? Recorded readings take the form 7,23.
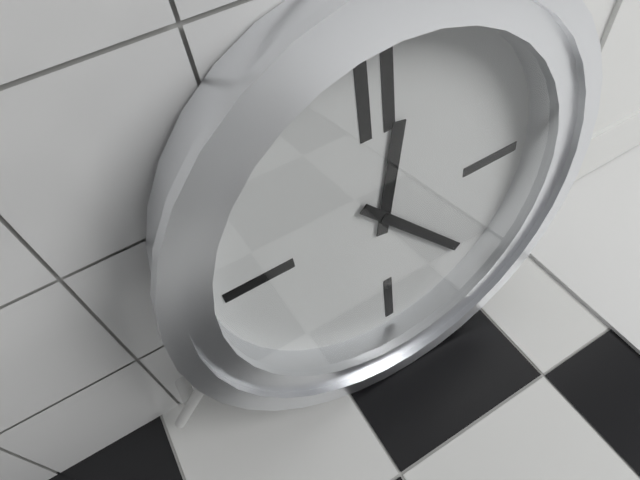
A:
12,23
